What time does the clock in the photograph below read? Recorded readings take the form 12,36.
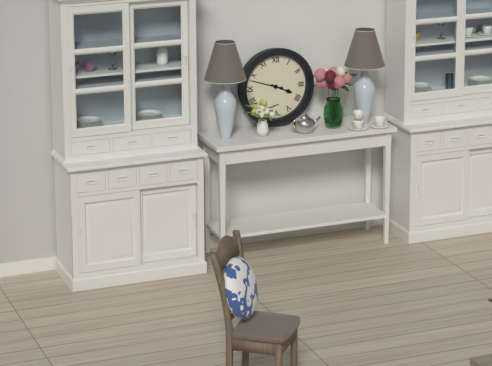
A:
3,48
